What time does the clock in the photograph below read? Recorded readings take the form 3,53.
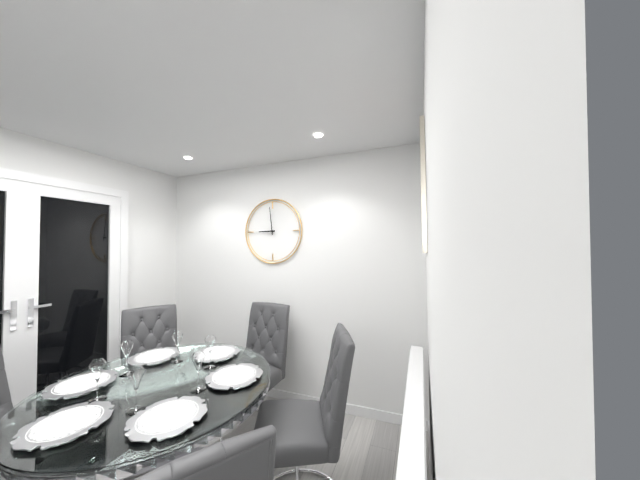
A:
8,59
